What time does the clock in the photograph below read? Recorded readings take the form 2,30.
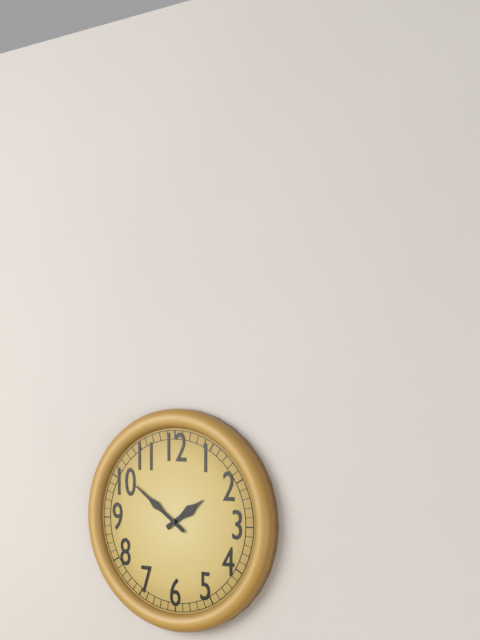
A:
1,51
